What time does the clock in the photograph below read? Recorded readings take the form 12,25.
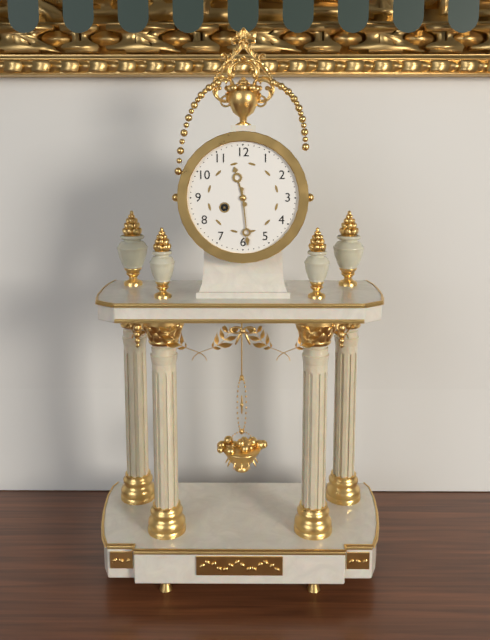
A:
11,29
